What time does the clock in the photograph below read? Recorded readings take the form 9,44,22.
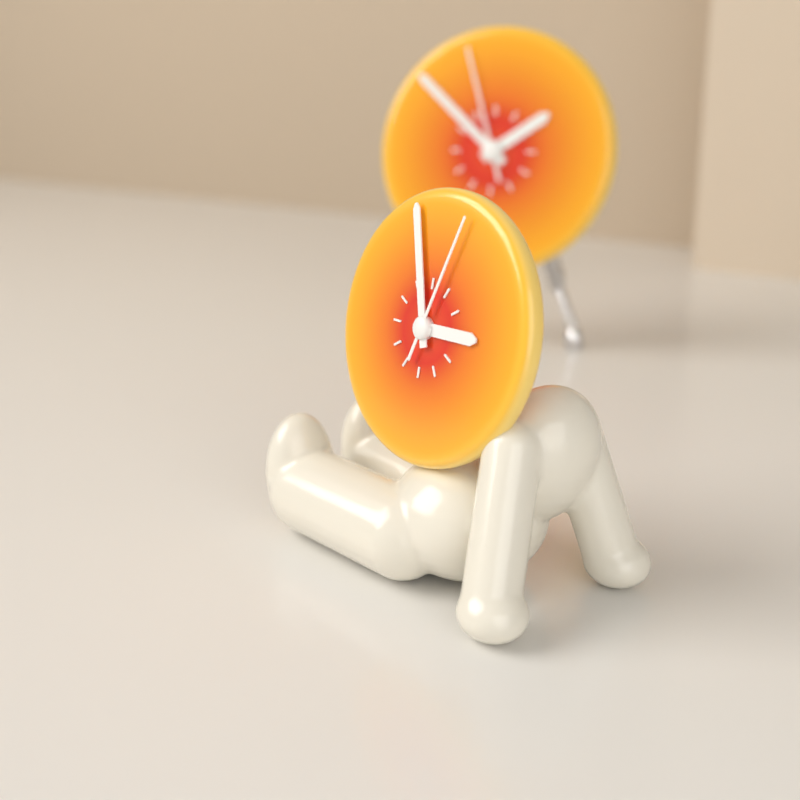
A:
2,57,03
